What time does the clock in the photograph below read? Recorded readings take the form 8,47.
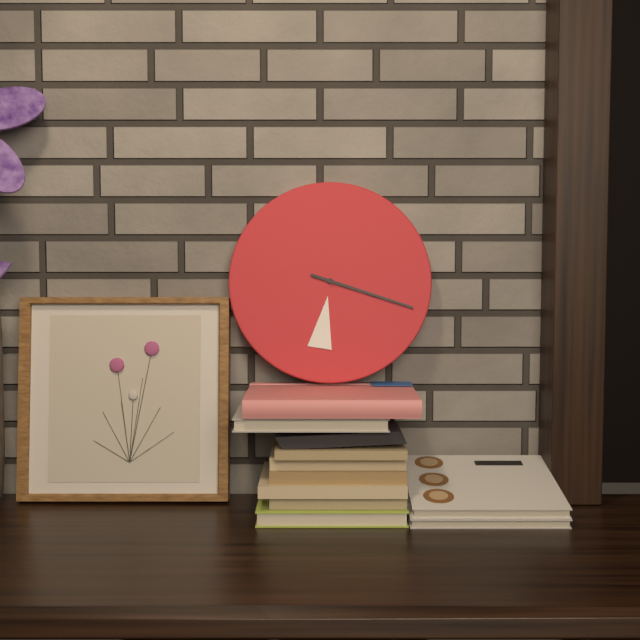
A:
6,18
